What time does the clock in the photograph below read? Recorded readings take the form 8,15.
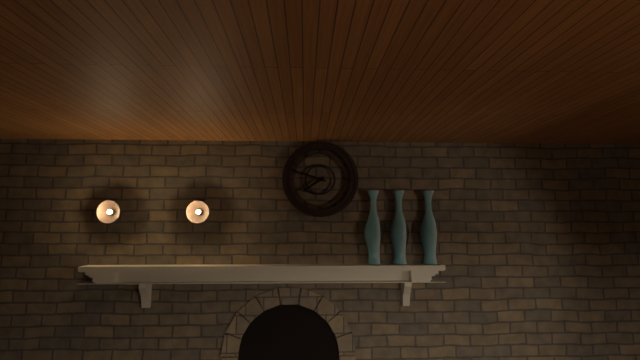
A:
7,48
